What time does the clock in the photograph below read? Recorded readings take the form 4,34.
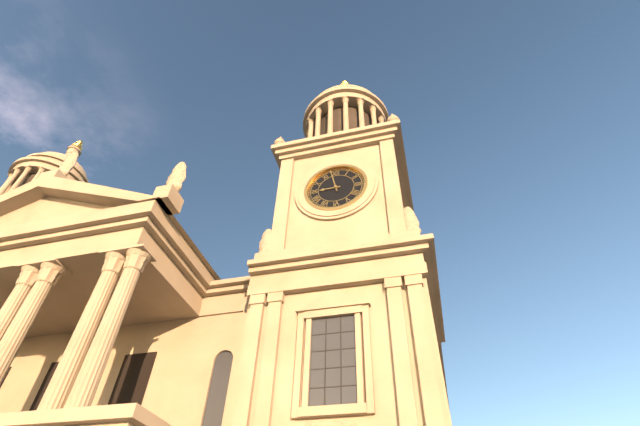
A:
8,58
